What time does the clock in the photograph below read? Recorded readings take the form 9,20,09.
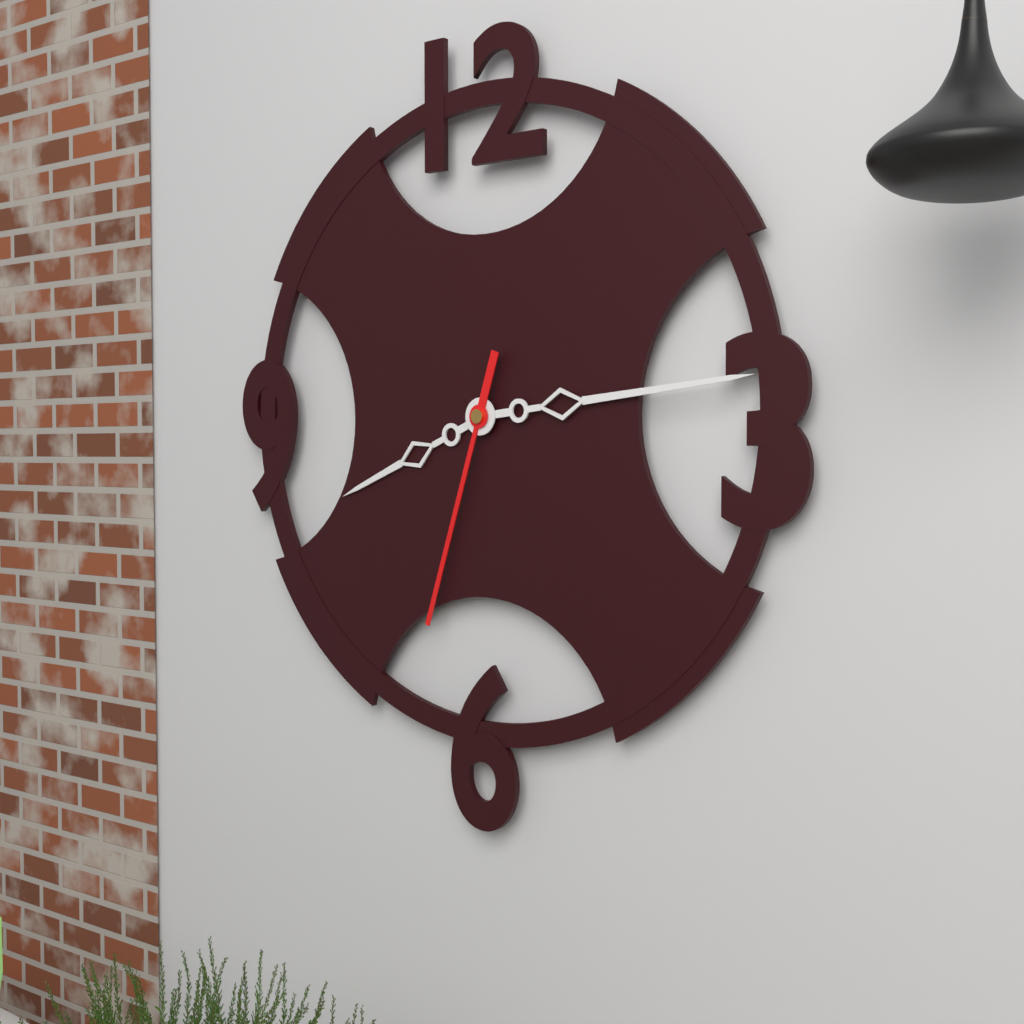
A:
8,14,33
